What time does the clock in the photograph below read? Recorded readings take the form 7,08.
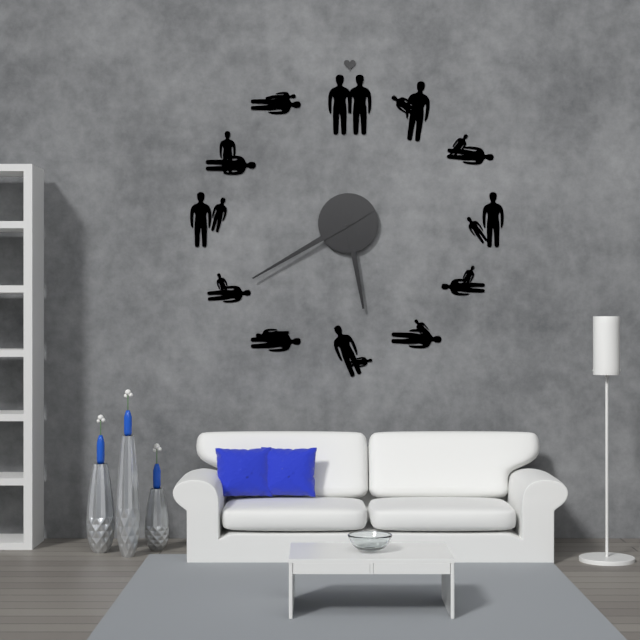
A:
5,40
